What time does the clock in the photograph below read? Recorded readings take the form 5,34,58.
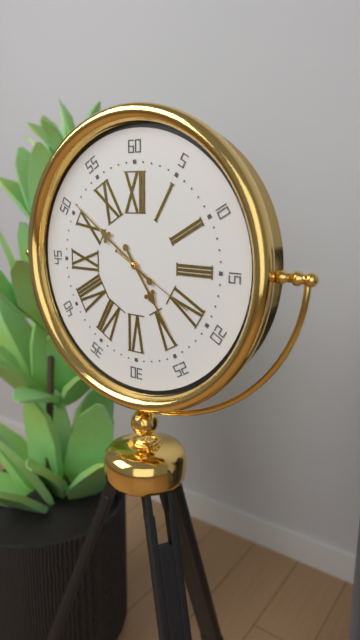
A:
4,51,20
